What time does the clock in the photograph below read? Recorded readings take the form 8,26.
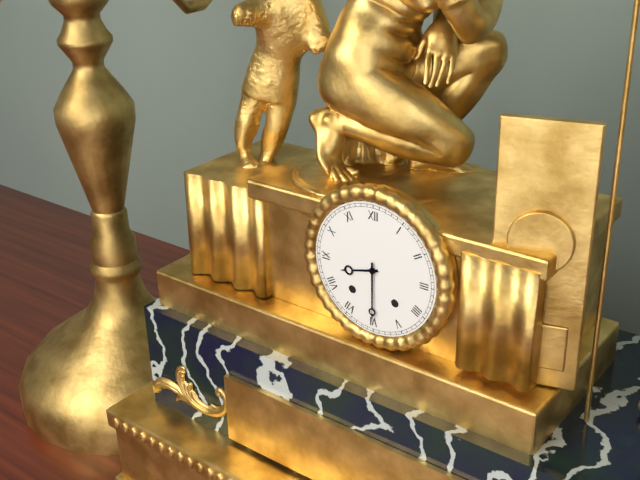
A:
8,30
